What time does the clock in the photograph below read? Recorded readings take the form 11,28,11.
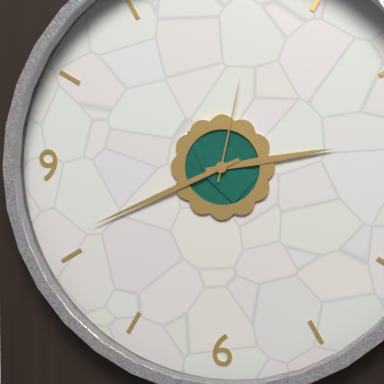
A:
2,41,02
